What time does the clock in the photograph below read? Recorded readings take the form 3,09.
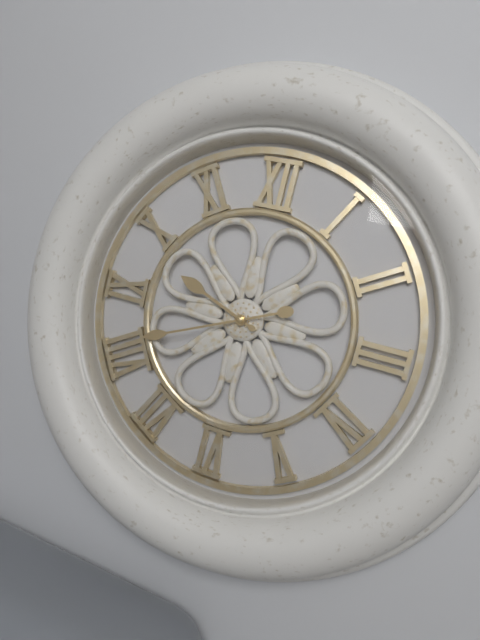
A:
9,41
